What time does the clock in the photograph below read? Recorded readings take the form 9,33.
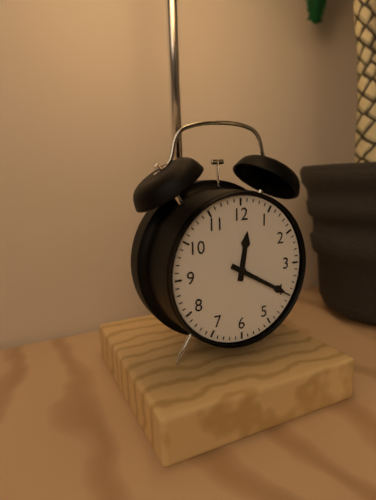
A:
12,20
